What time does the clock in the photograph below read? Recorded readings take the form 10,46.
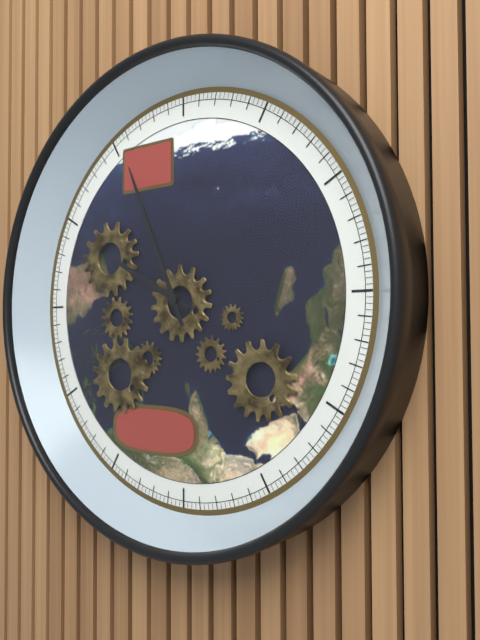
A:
9,56
